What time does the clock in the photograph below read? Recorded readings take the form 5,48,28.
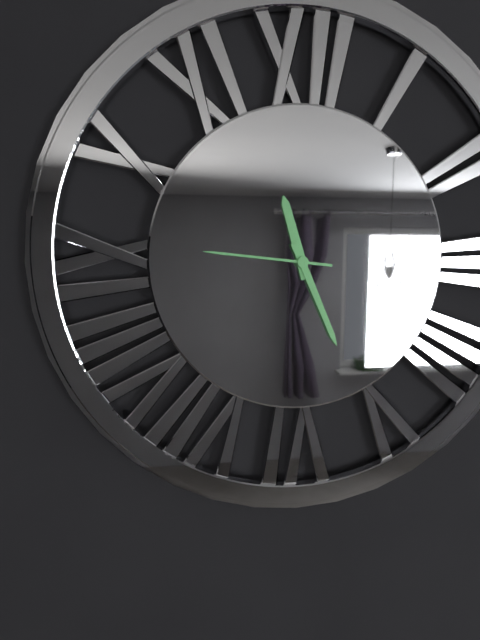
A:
11,26,46
